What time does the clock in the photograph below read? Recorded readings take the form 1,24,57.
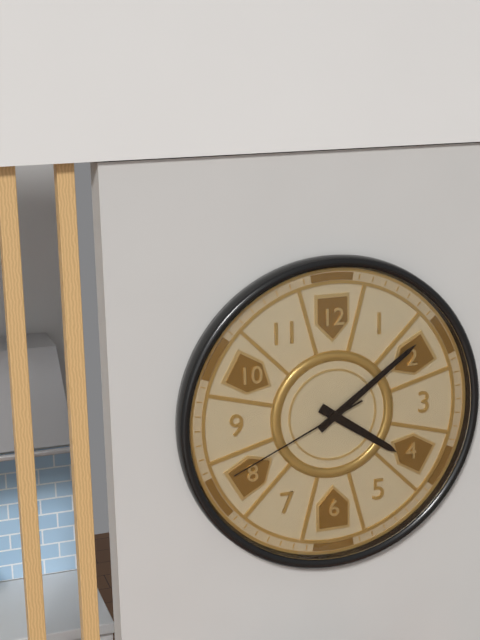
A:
4,09,41
